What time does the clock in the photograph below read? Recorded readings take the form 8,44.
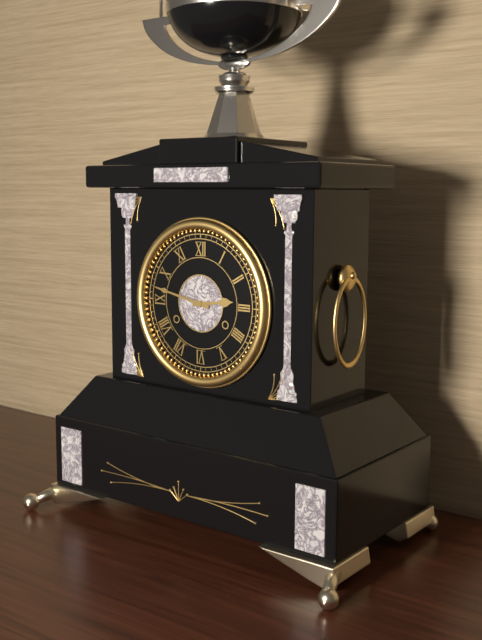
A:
2,47
